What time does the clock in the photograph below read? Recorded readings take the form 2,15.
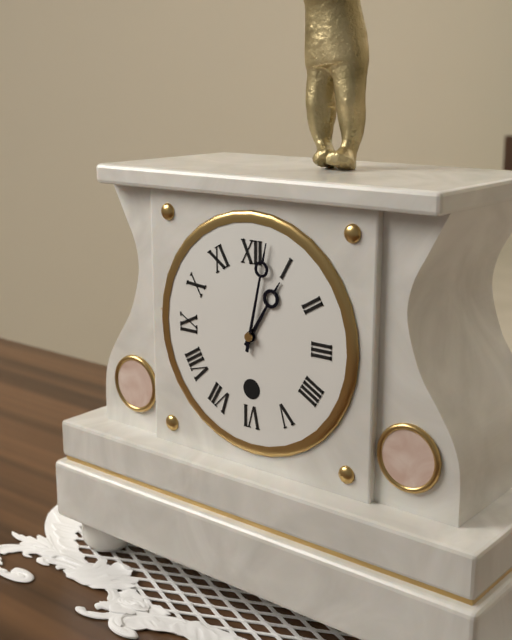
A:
1,02
